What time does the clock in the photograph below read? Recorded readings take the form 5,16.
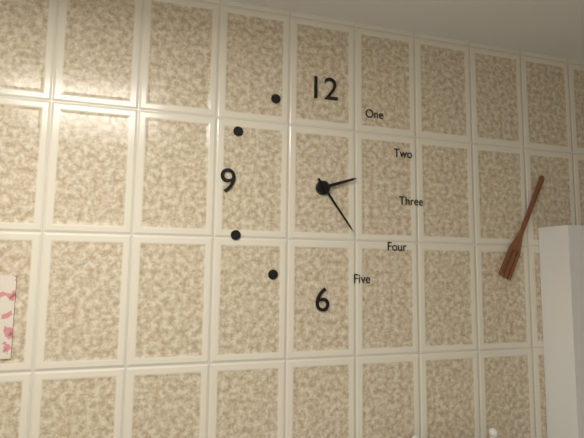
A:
2,24
